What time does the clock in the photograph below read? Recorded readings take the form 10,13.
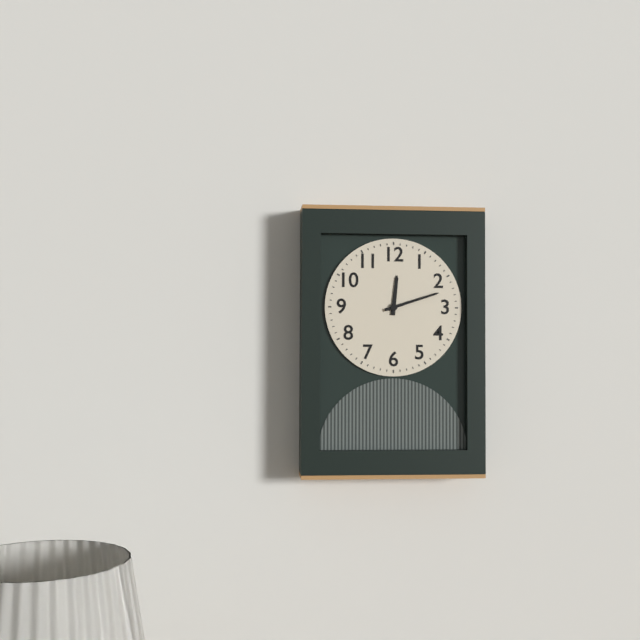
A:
12,12
